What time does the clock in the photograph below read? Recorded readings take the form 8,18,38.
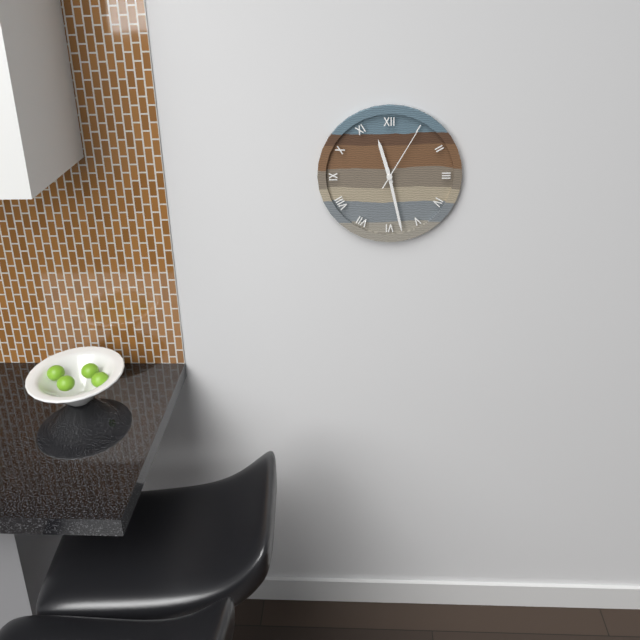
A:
11,28,05
